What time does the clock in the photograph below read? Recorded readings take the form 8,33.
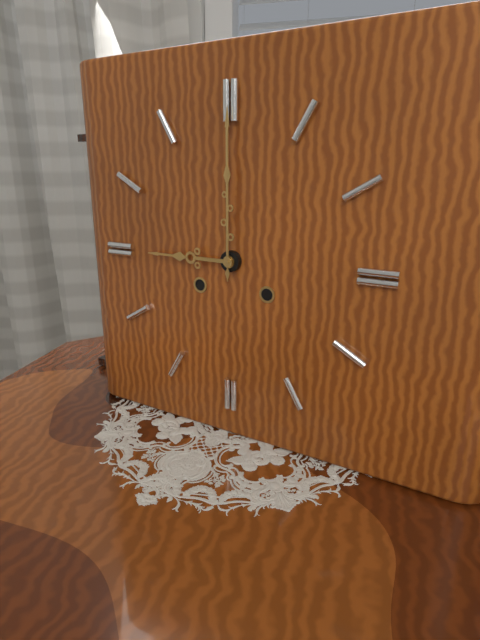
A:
9,00
